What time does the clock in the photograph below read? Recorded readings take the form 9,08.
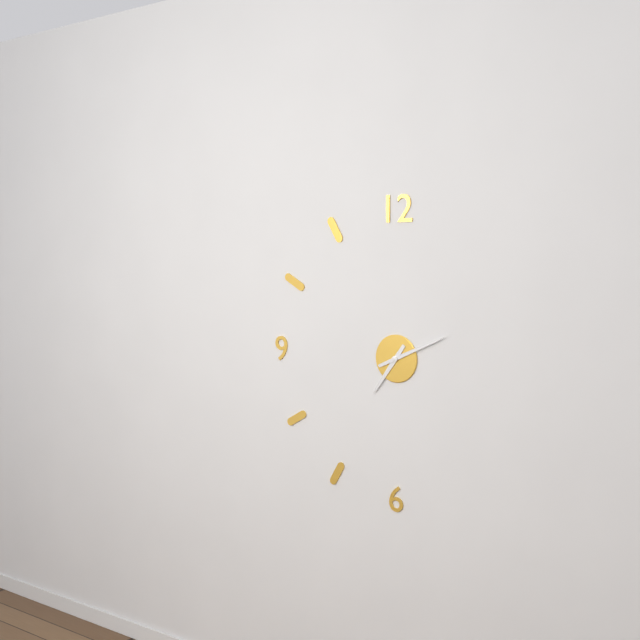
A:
7,11
